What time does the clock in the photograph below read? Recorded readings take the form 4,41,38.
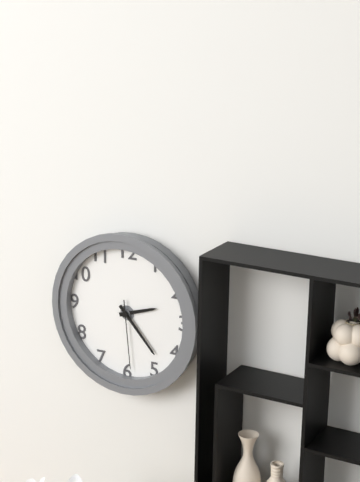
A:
2,23,29
